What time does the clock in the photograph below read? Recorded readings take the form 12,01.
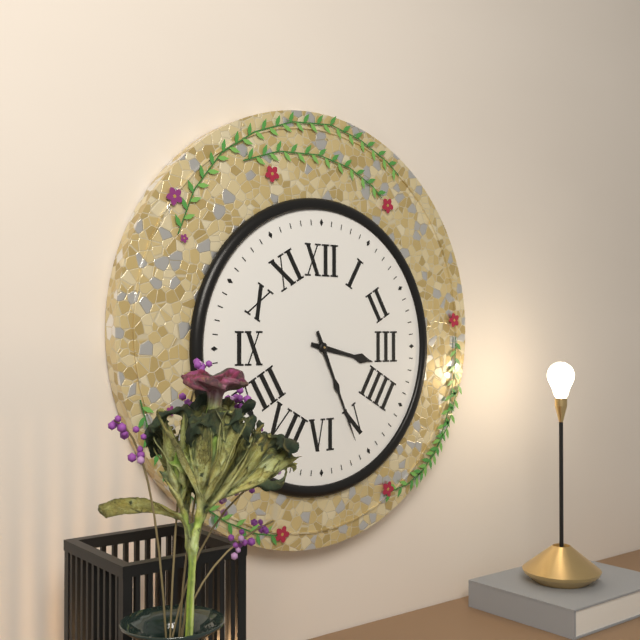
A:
3,26
